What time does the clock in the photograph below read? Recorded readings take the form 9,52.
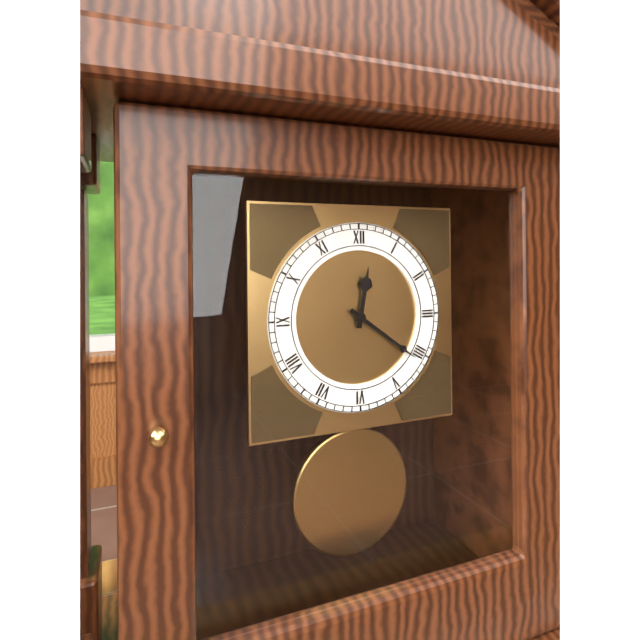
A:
12,21
